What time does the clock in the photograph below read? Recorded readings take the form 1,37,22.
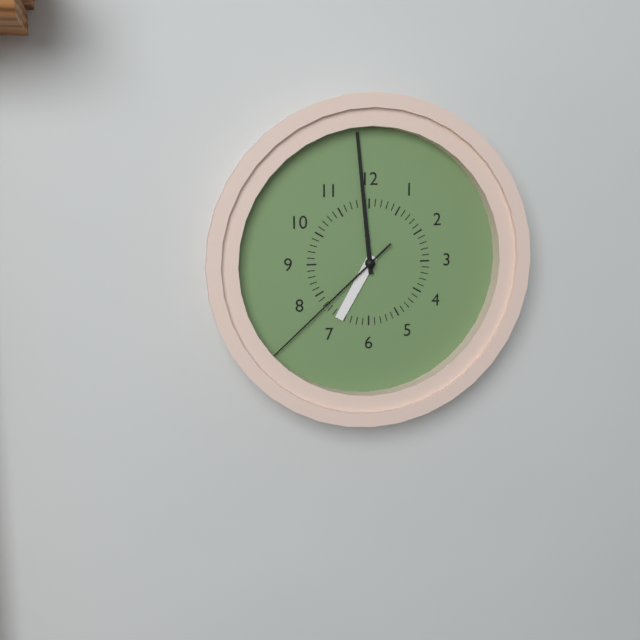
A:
6,59,38
